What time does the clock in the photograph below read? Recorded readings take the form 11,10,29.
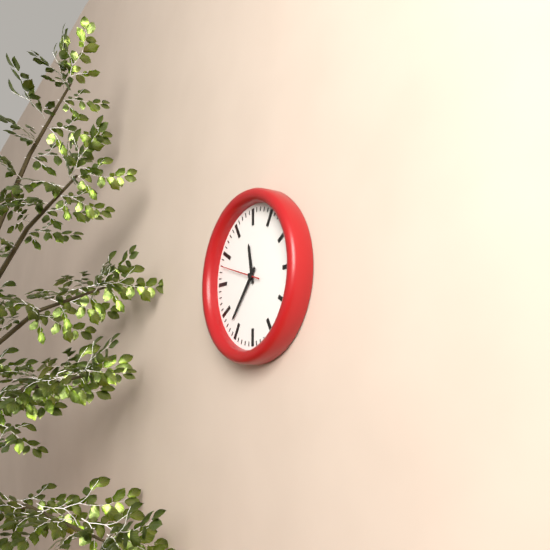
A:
11,37,48
